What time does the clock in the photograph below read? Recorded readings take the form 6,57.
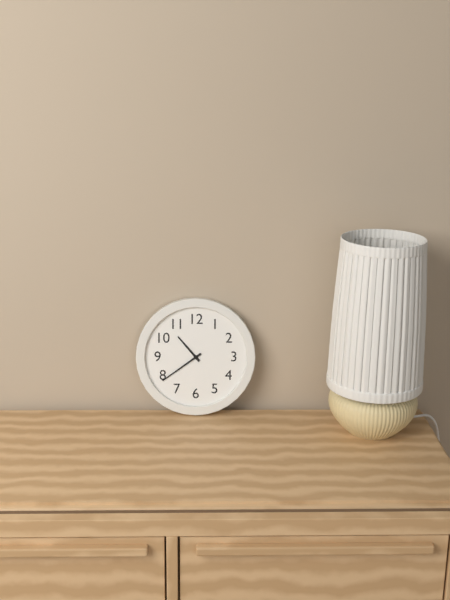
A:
10,39
